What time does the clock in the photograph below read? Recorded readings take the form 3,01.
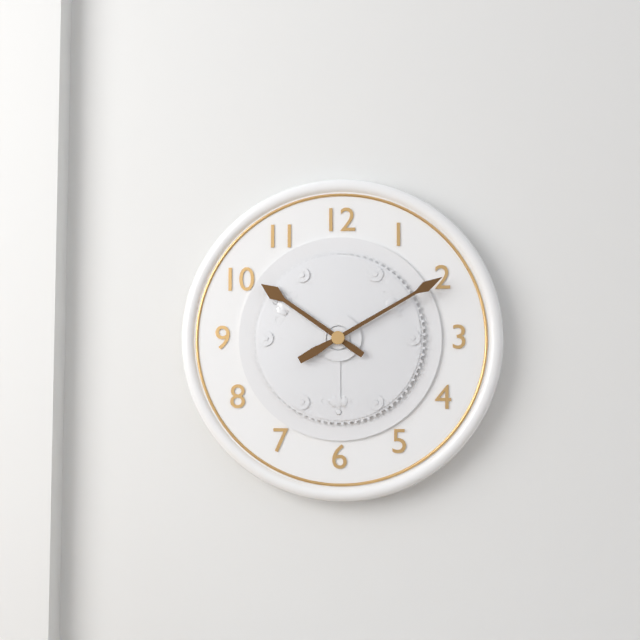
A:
10,10
